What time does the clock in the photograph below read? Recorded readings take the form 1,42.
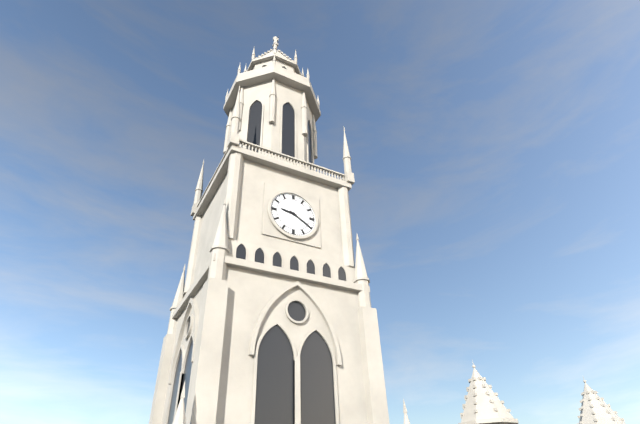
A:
9,20
